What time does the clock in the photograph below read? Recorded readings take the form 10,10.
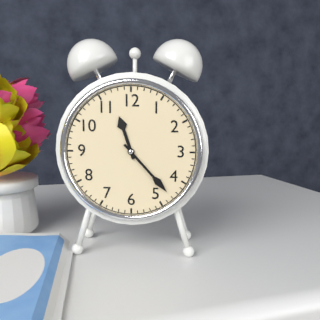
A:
11,23
